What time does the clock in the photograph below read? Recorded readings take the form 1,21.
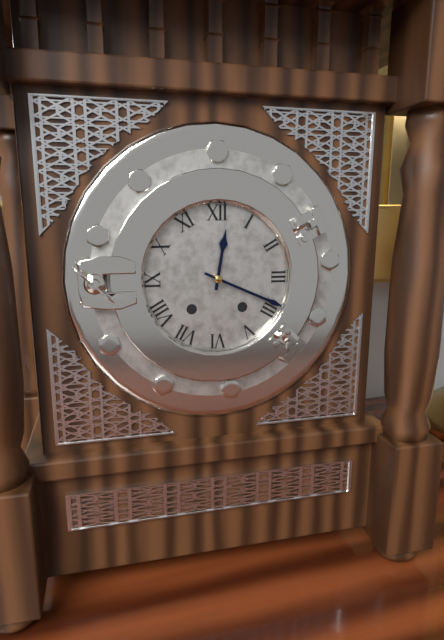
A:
12,19
